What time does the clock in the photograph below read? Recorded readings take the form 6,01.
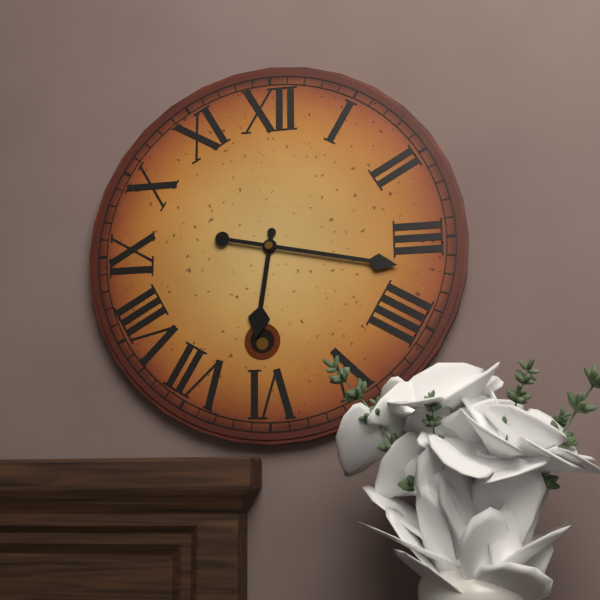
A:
6,17
